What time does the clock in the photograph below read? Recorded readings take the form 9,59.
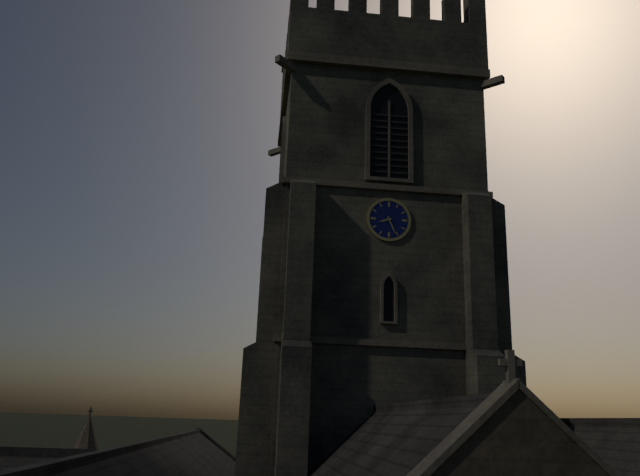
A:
8,26
